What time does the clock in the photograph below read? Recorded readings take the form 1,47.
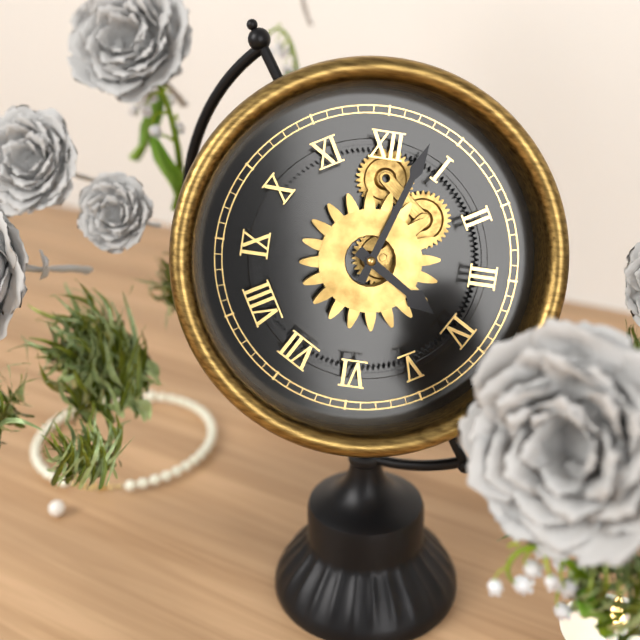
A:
4,03
